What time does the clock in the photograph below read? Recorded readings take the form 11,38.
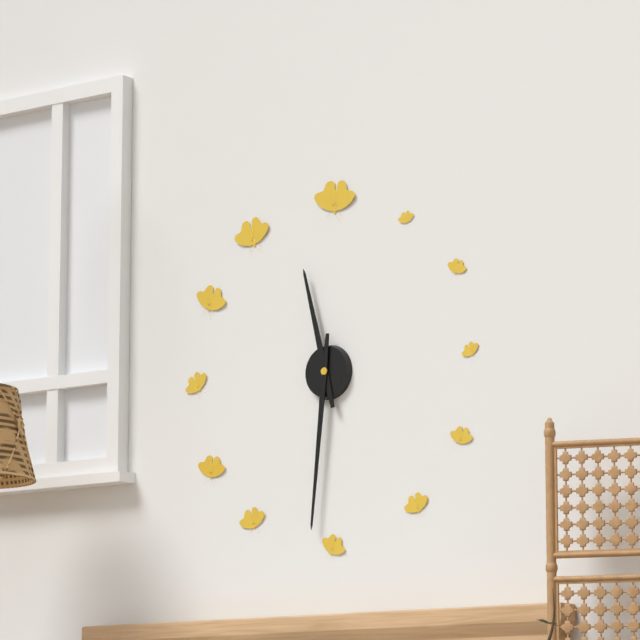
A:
11,31
